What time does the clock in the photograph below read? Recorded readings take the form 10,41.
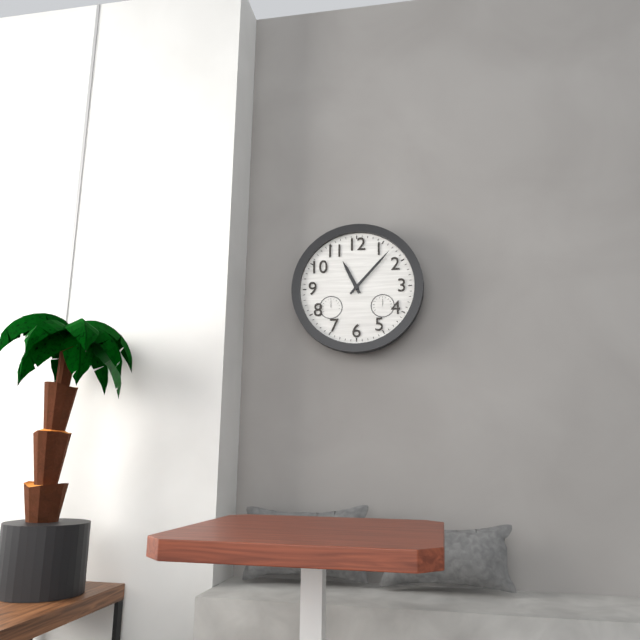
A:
11,07
